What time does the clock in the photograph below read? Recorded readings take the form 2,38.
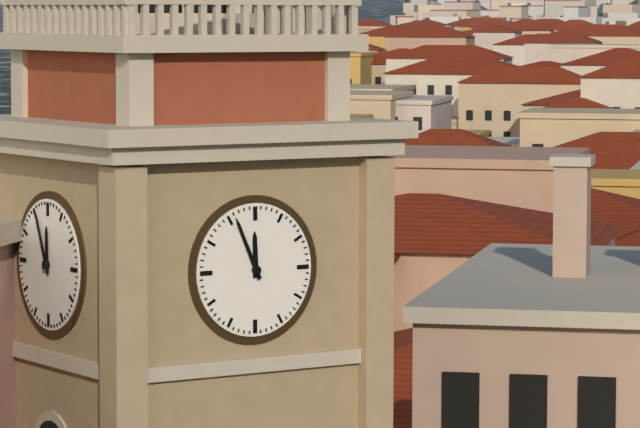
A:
11,56
